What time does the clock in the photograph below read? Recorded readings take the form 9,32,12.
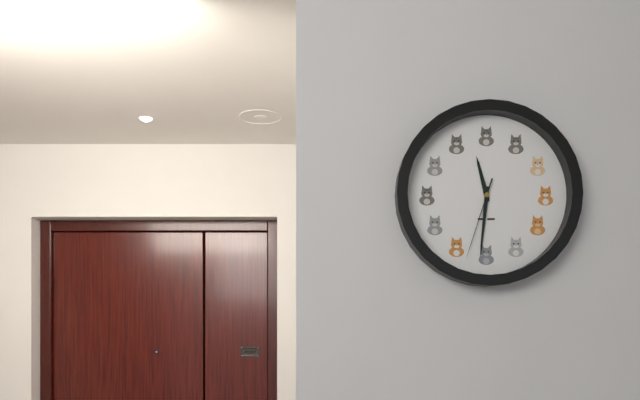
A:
11,31,33
